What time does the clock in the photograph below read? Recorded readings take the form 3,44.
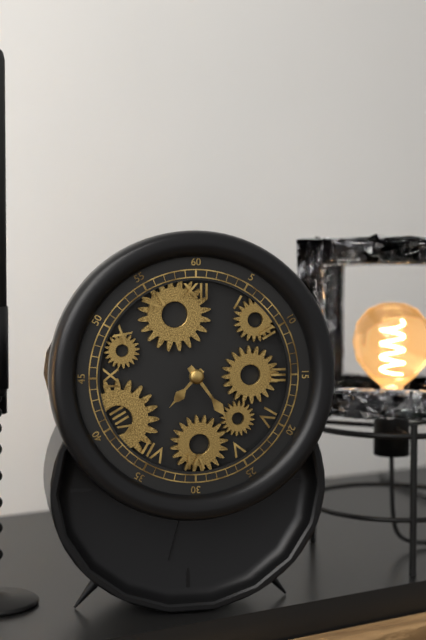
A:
7,24
